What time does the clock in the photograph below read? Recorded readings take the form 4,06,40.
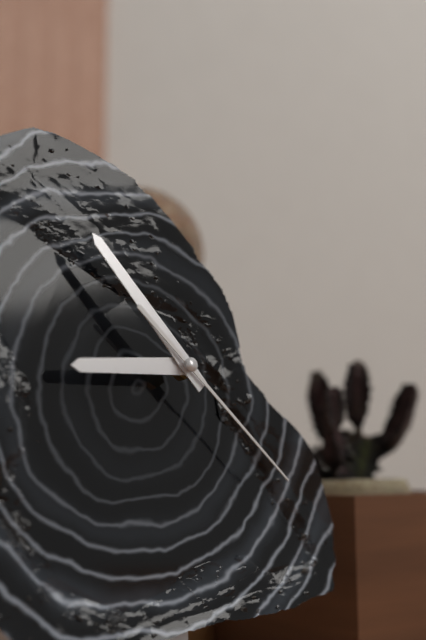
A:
8,53,22
